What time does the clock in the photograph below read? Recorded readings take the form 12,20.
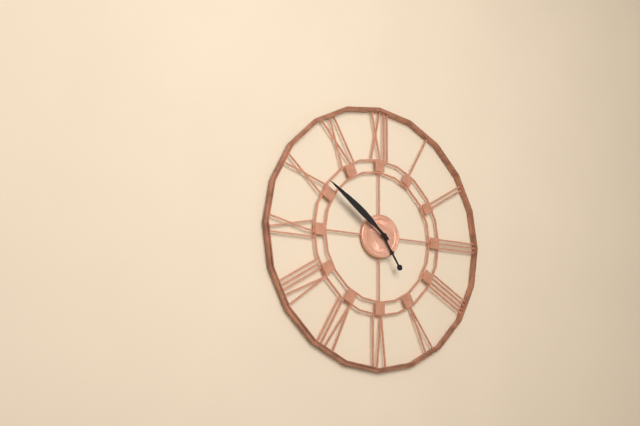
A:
4,51
